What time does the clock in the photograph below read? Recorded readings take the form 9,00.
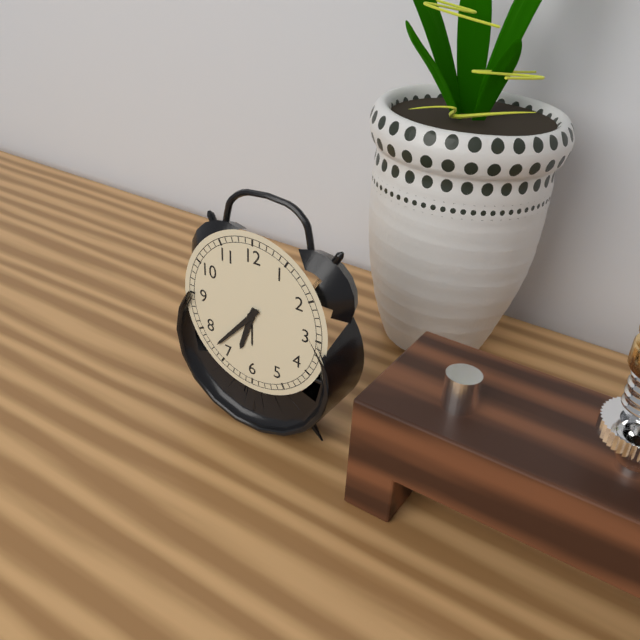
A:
6,37
